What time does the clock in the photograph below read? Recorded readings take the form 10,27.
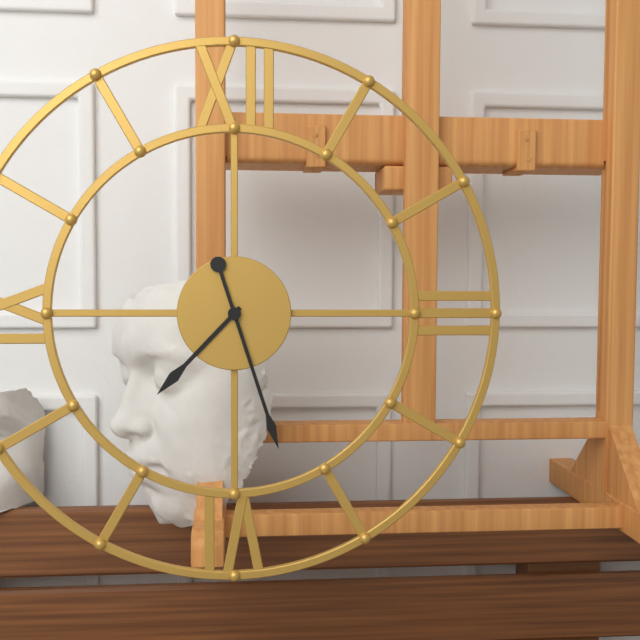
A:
7,27
